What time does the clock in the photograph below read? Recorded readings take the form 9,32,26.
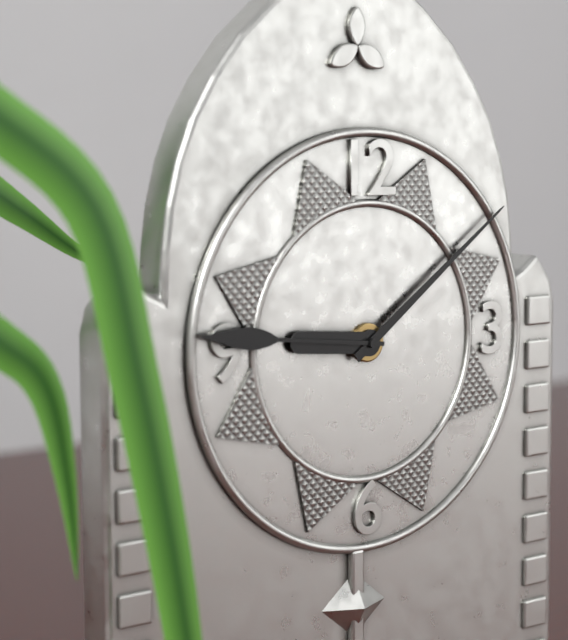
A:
9,09,46
